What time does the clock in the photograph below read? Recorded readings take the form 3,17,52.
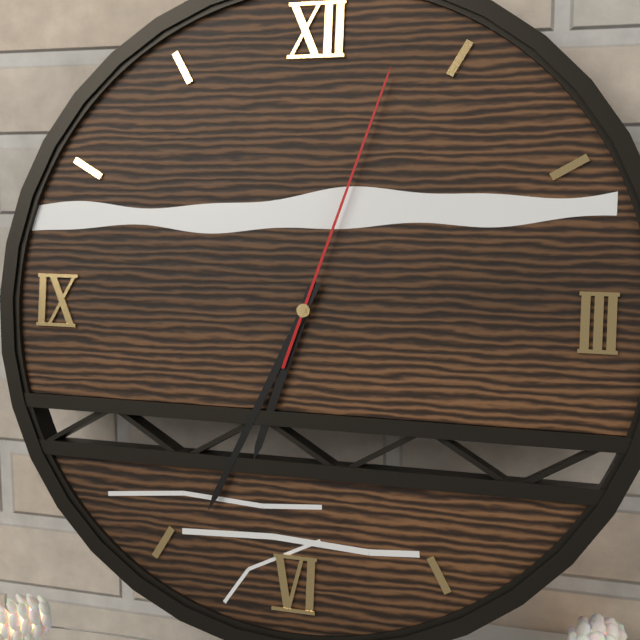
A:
6,34,03
